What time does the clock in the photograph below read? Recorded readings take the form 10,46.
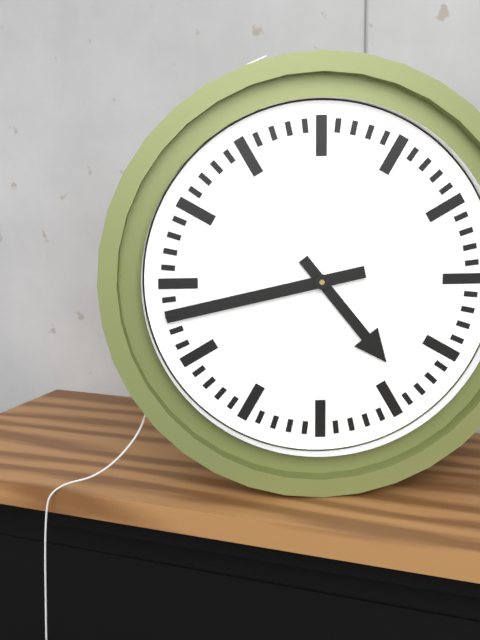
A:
4,43
